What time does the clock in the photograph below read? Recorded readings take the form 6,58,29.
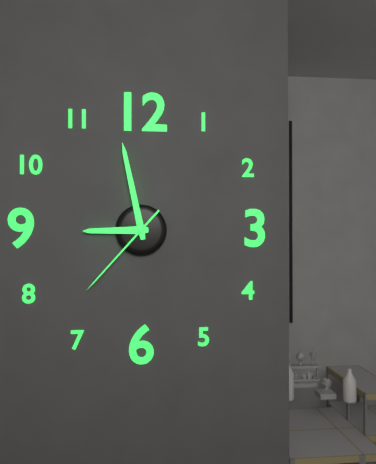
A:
8,58,37
